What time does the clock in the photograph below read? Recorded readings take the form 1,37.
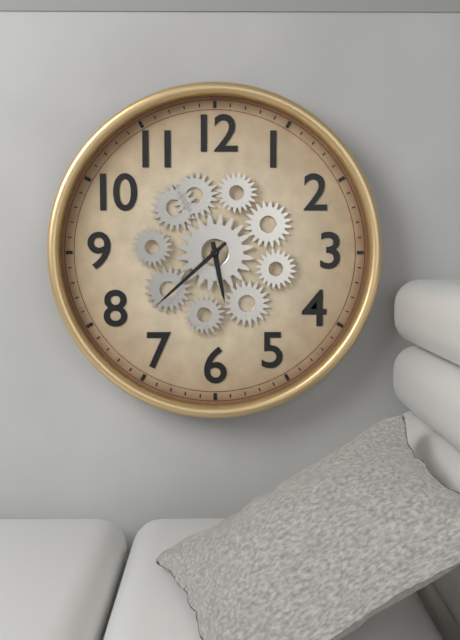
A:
5,38
